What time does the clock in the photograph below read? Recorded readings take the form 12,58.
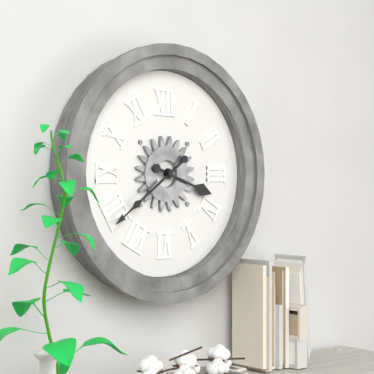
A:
3,39
